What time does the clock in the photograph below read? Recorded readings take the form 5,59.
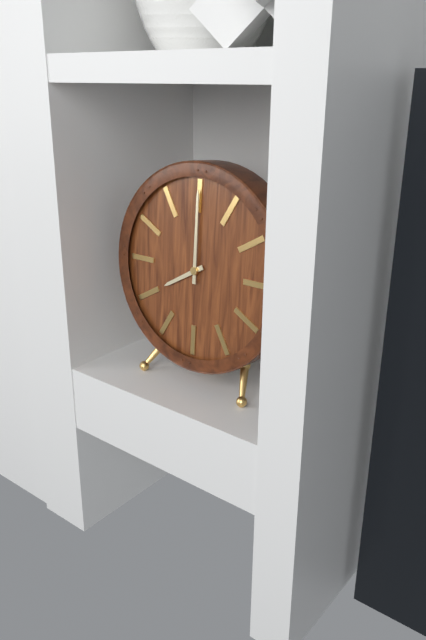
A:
8,00
